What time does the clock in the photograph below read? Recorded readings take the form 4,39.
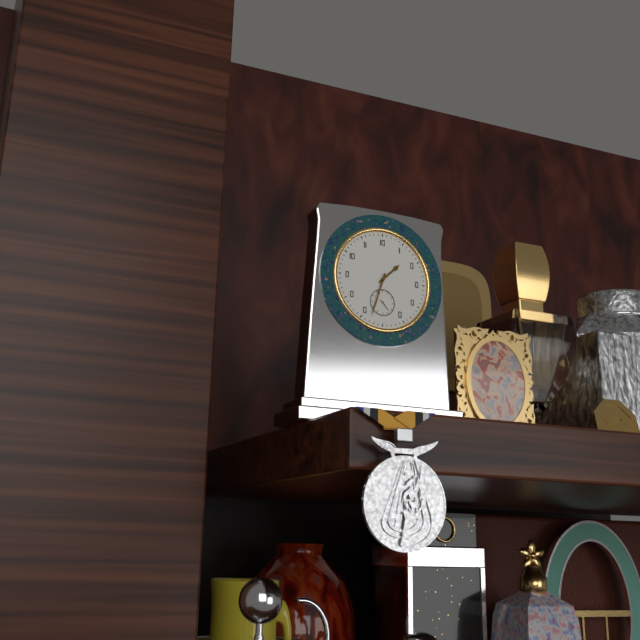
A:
1,33
